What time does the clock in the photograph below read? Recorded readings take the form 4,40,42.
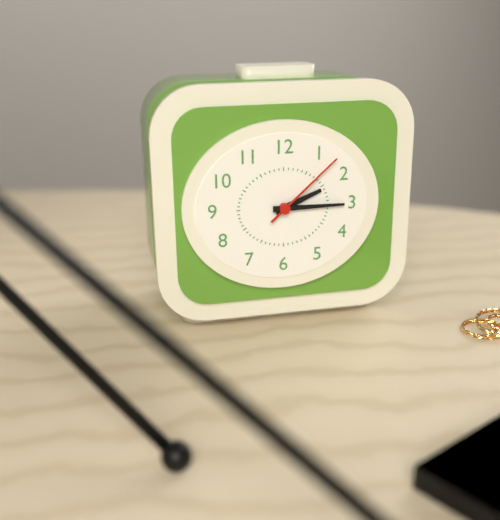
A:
2,15,08
